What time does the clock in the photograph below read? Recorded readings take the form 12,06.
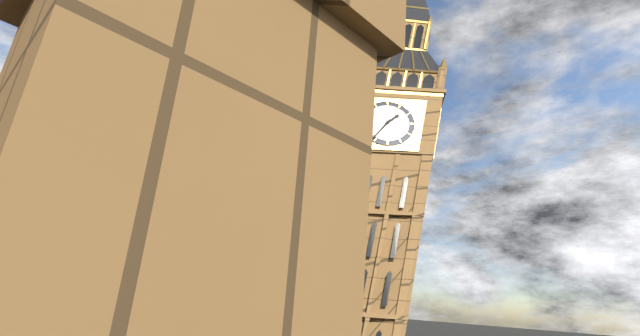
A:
1,36
